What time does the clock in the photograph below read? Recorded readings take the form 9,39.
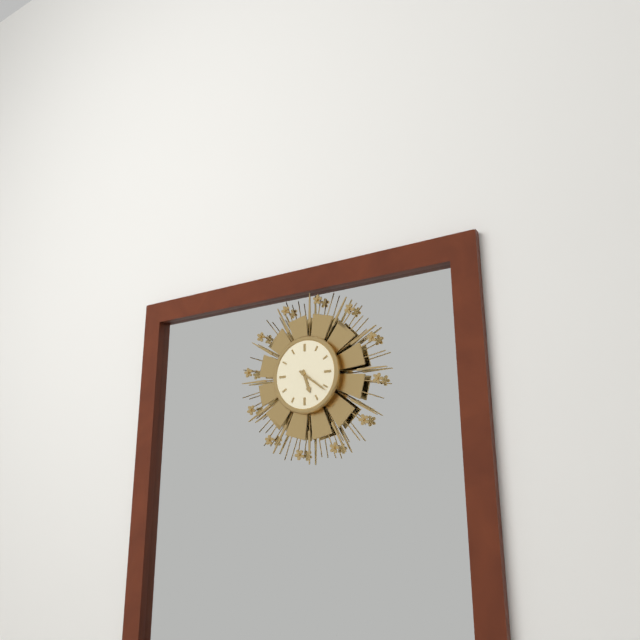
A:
5,21
